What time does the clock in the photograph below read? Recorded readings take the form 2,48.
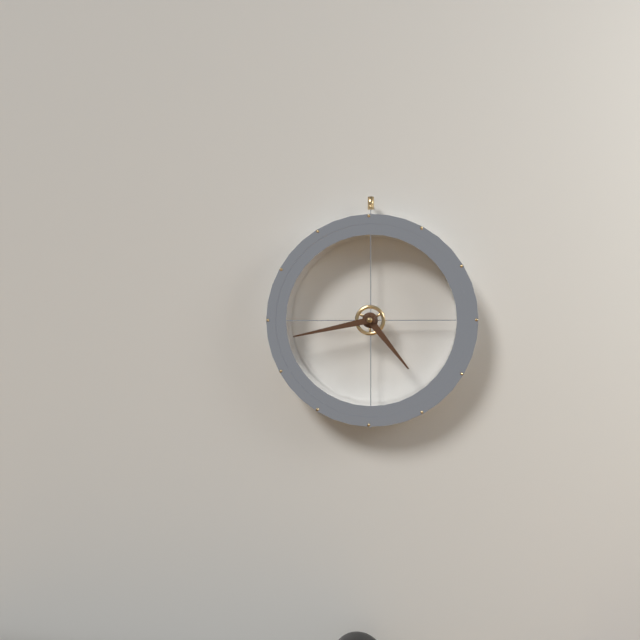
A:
4,43
